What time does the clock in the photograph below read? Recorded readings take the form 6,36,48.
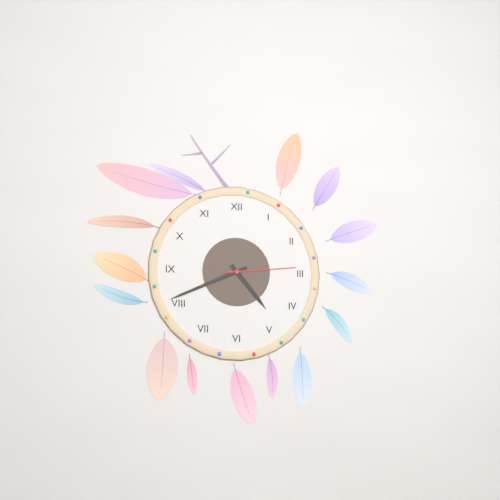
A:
4,41,14
